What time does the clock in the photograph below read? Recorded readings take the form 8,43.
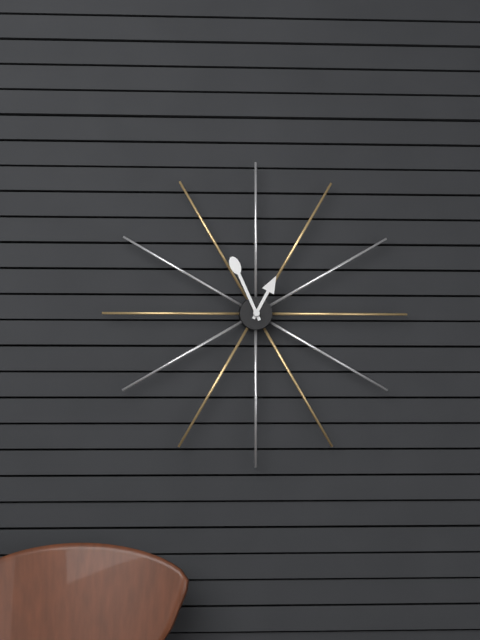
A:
12,56
